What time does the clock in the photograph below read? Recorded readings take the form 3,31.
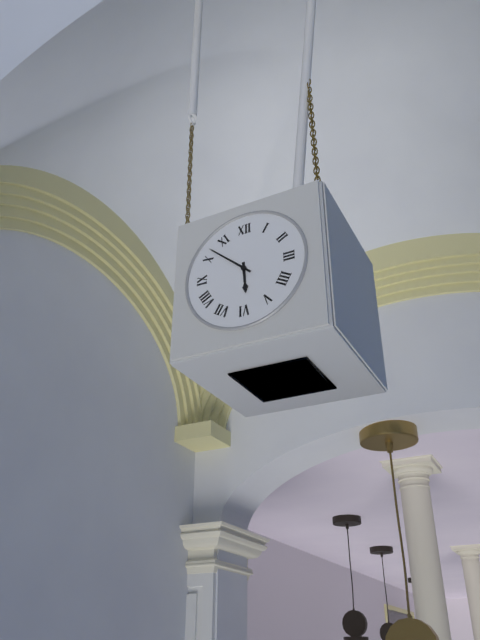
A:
5,52
